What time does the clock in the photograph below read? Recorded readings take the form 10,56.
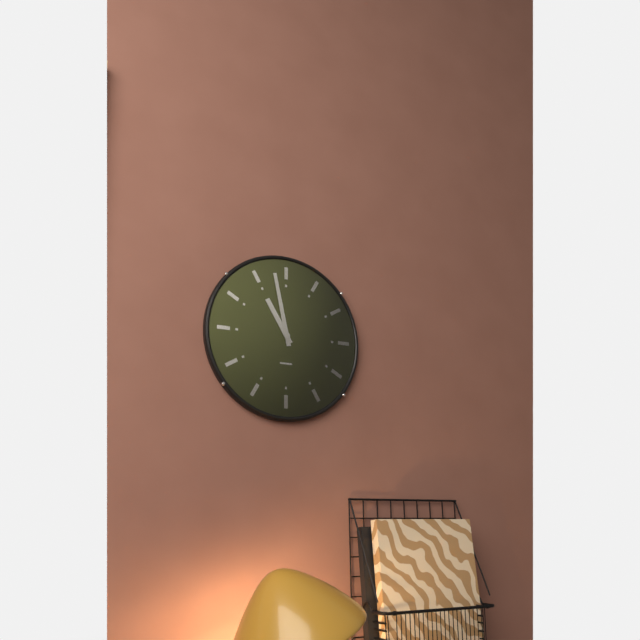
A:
10,58
